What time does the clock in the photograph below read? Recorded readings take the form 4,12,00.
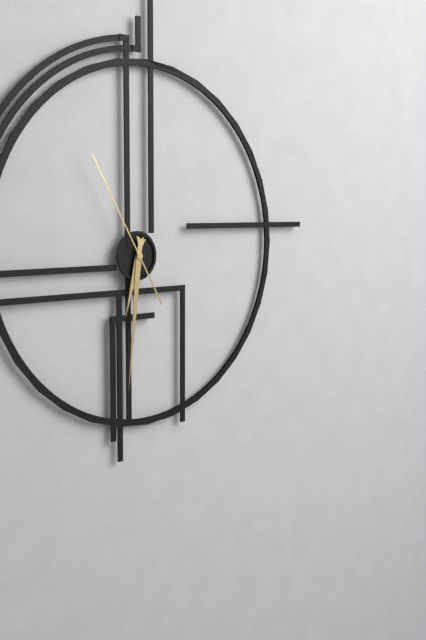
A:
6,31,55
